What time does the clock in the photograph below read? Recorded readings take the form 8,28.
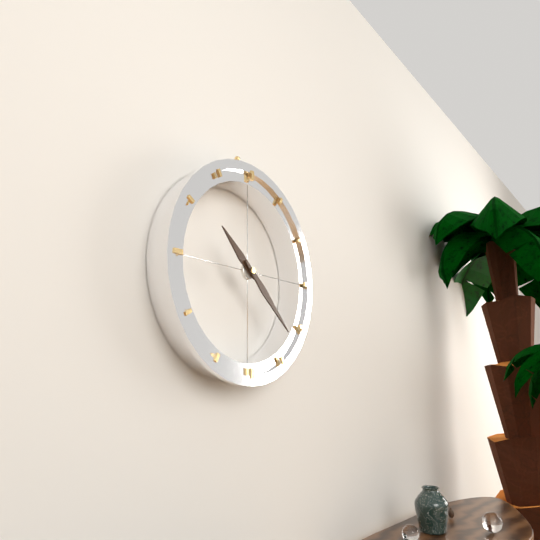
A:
10,22
